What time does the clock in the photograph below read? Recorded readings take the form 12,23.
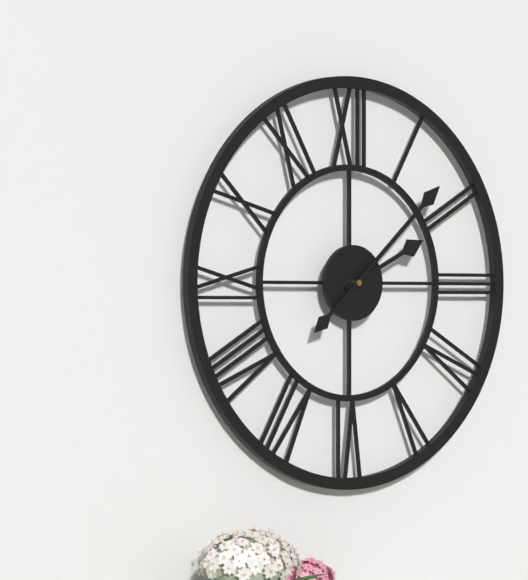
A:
2,08
